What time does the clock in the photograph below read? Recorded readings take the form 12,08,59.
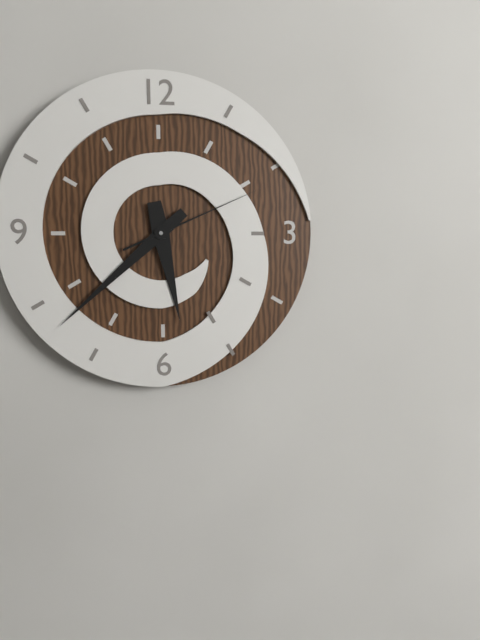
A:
5,38,11
